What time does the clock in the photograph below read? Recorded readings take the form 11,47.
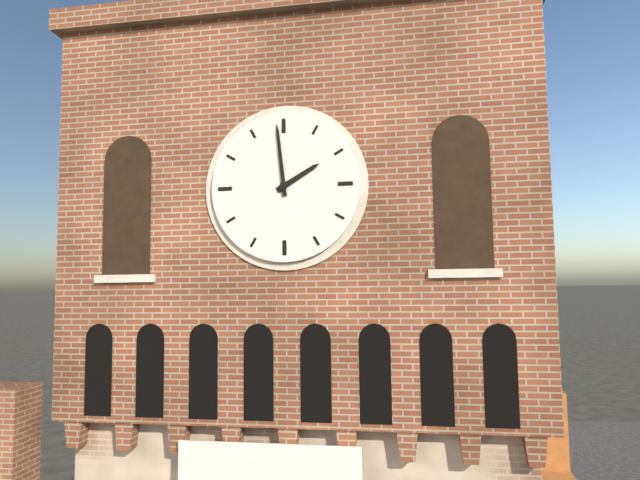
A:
1,59
